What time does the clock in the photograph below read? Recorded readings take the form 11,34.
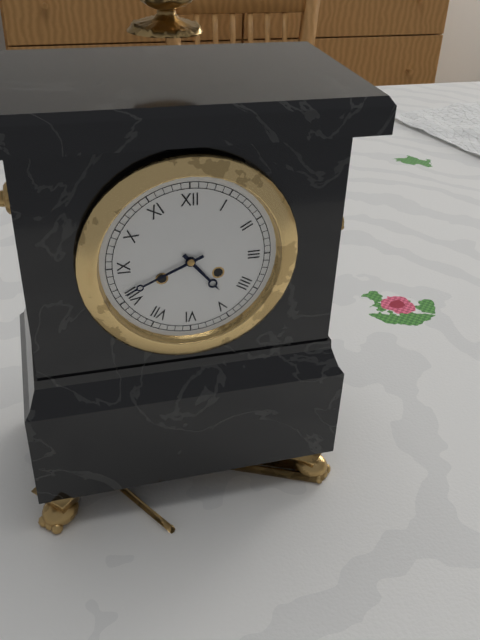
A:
4,41
